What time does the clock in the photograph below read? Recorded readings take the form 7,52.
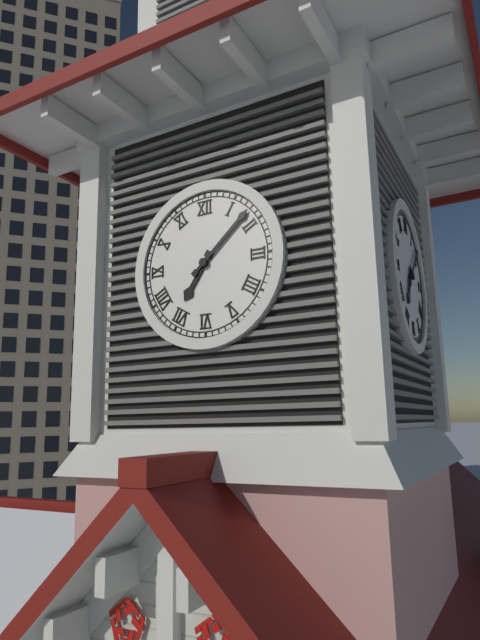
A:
7,08
